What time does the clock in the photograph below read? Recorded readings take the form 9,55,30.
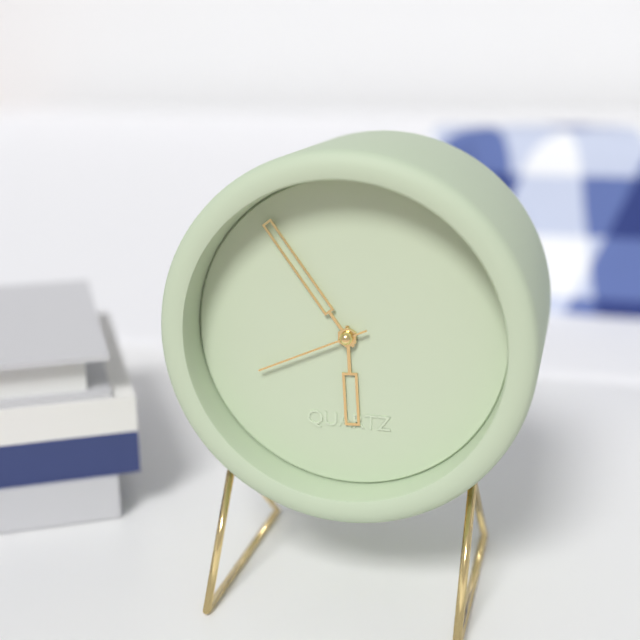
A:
5,54,41
